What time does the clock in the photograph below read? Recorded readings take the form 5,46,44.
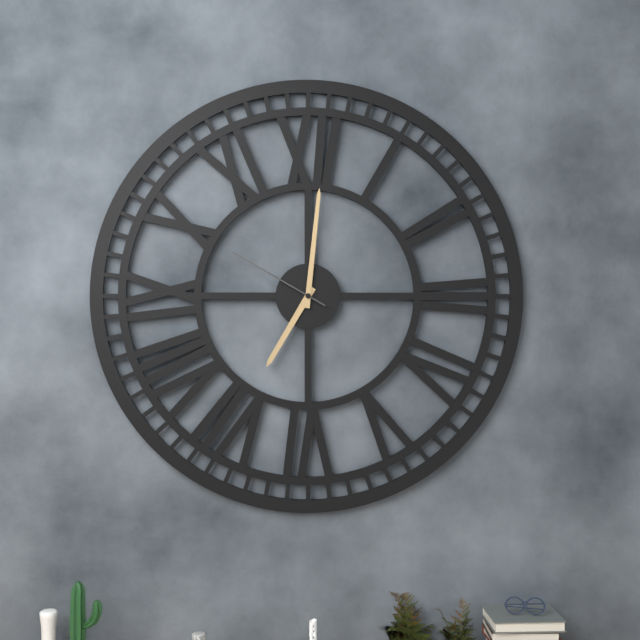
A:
7,01,50
